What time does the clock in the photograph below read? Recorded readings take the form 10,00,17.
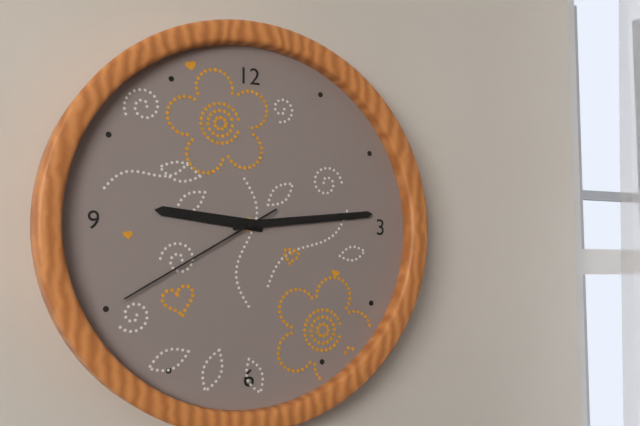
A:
9,14,40
